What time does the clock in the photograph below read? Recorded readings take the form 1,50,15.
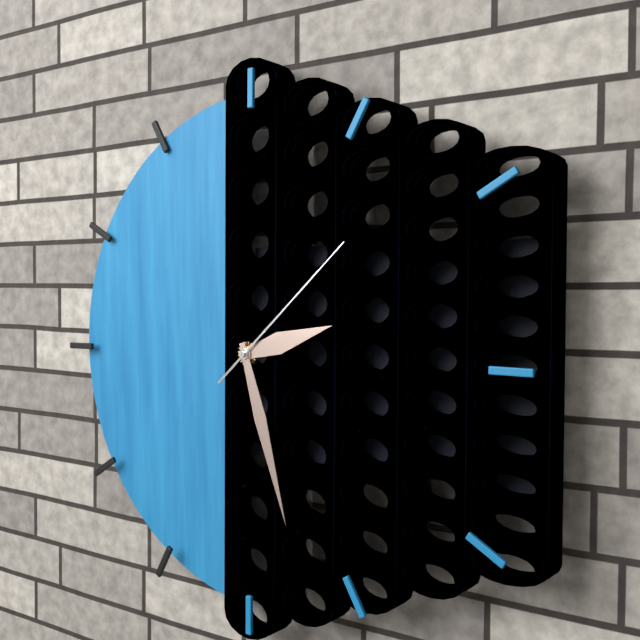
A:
2,27,08
